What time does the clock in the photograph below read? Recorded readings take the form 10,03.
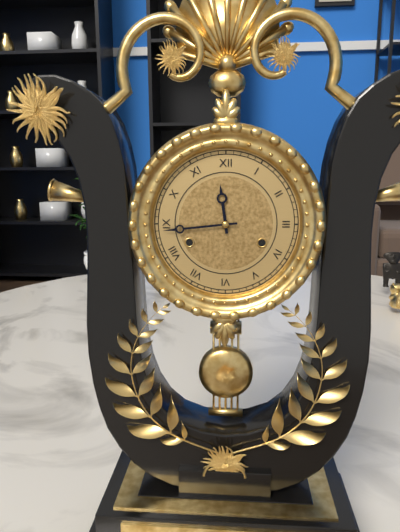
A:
11,44
